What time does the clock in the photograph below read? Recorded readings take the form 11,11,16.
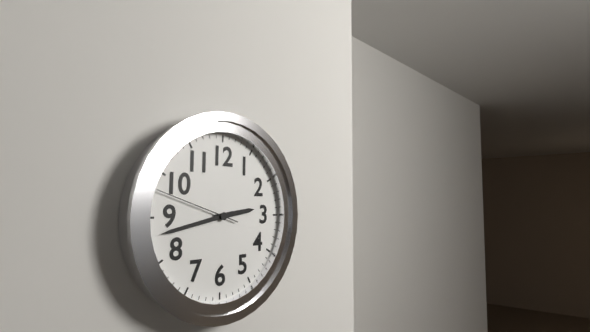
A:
2,43,48
